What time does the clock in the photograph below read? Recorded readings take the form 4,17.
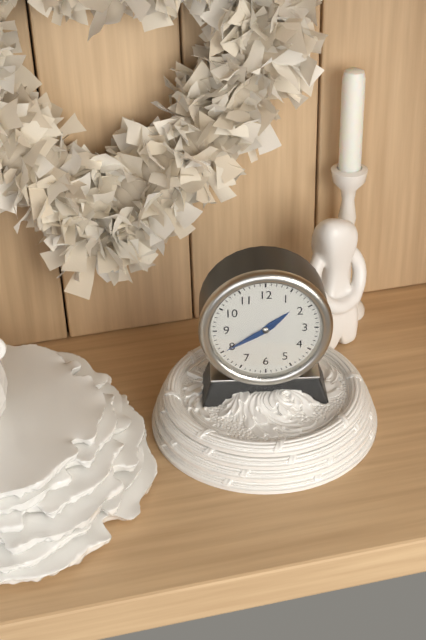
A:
1,40
